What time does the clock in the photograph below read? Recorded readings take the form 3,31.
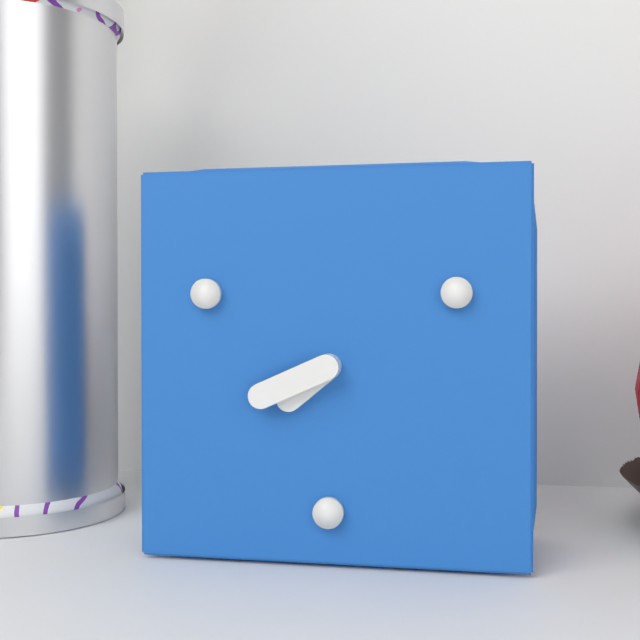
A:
7,41
